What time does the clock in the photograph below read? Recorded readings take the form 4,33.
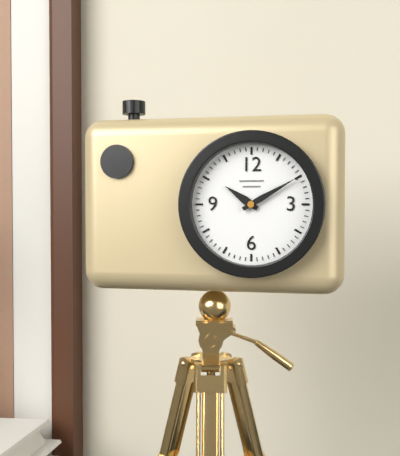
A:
10,10
